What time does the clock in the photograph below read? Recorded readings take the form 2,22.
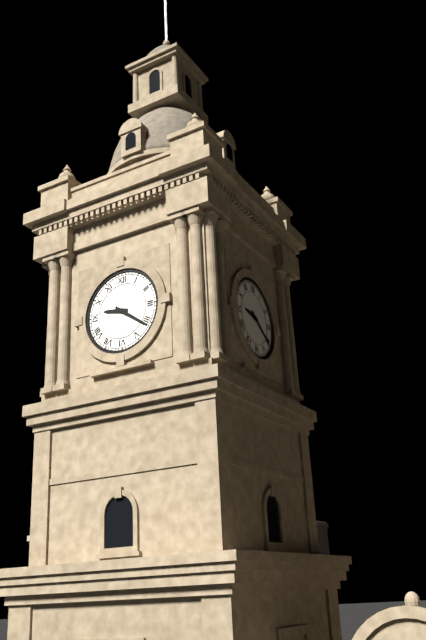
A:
9,21
